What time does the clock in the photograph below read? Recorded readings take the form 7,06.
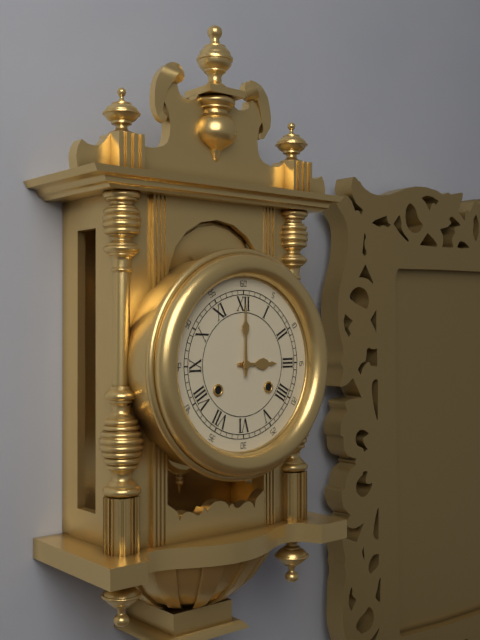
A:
3,00
